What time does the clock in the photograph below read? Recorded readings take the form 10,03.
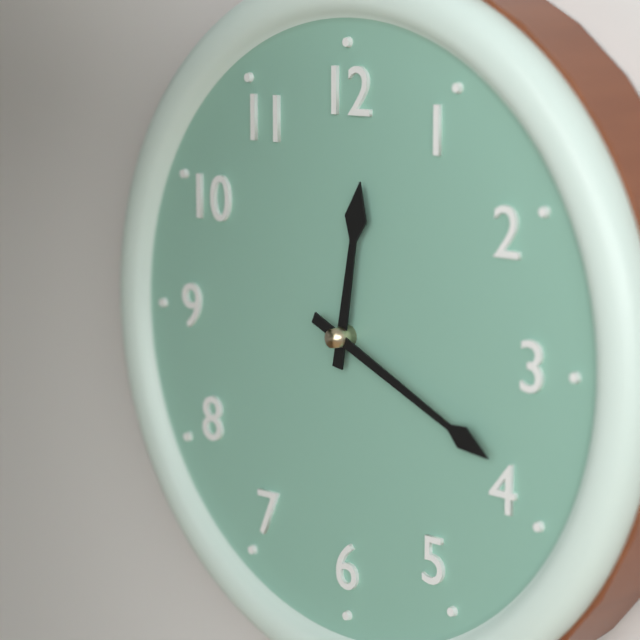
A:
12,19
